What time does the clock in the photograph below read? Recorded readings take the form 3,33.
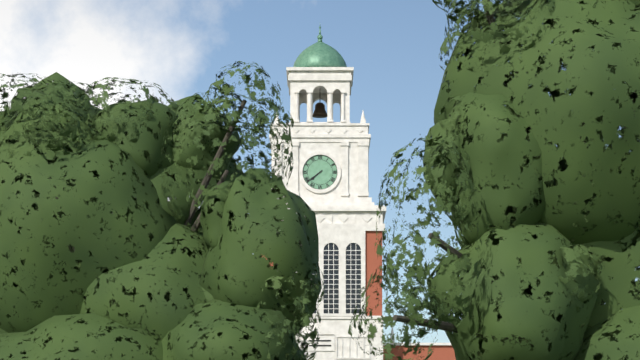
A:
7,39
